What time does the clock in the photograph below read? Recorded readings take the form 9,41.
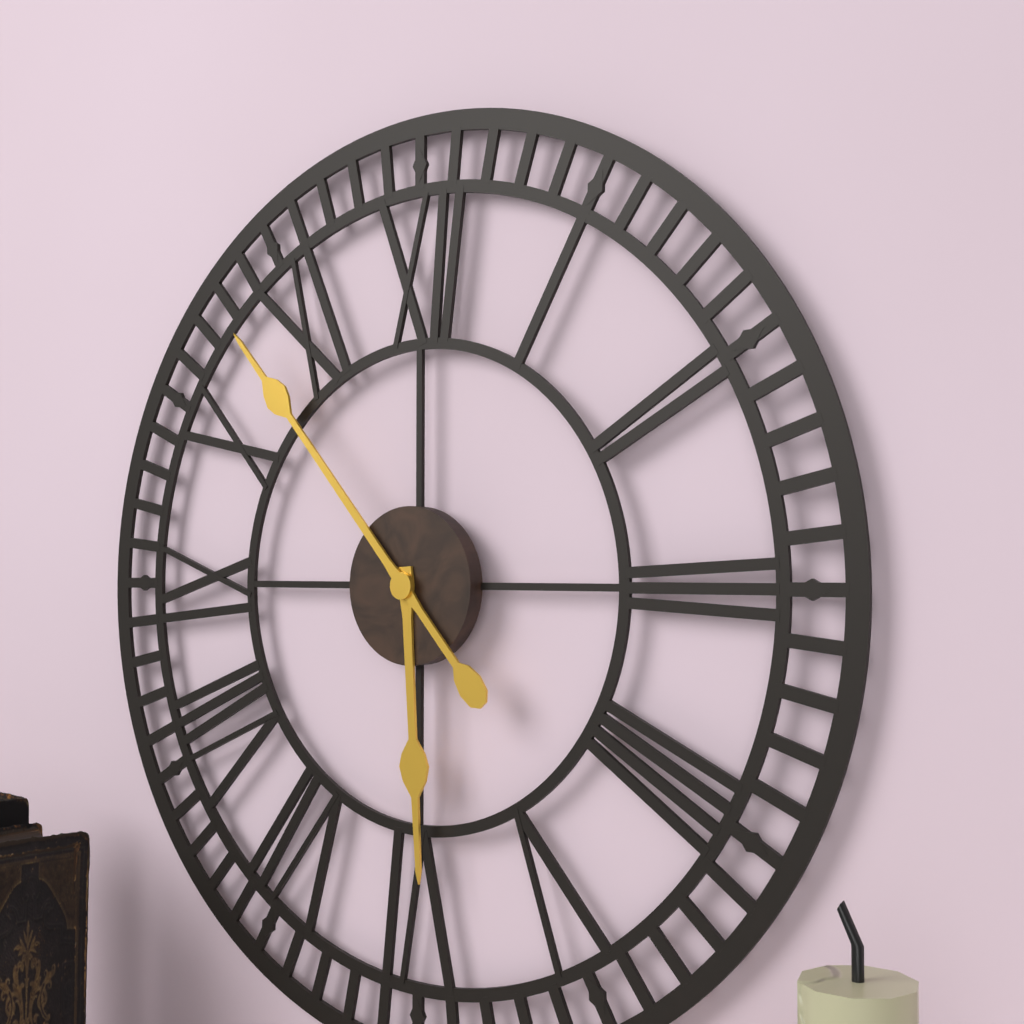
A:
5,53
